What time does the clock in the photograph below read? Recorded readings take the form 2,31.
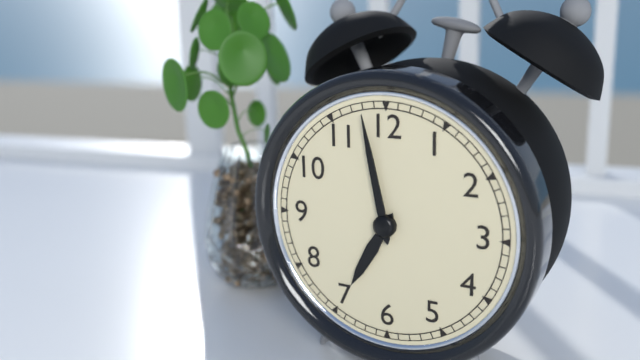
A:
6,58
